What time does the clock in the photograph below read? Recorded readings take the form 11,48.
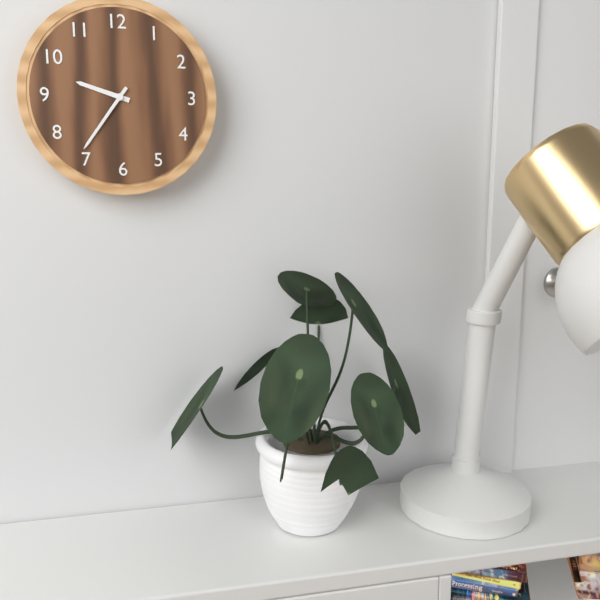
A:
9,36
